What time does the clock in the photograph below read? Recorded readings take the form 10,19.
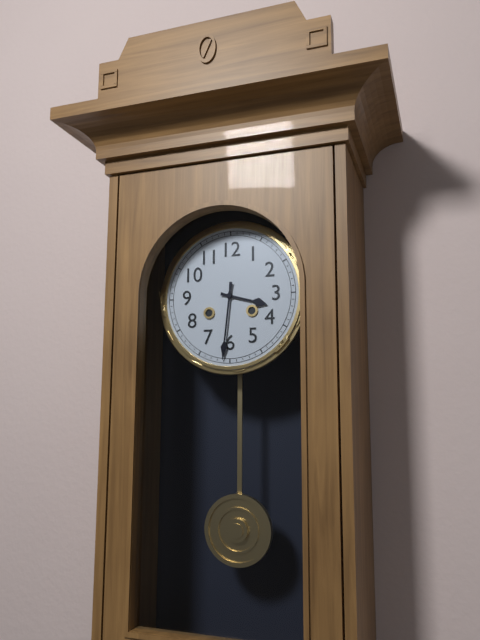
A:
3,31
